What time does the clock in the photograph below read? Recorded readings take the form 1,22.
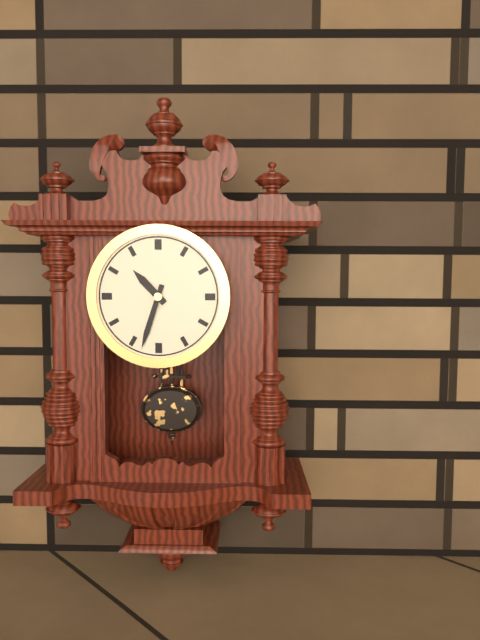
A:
10,33
